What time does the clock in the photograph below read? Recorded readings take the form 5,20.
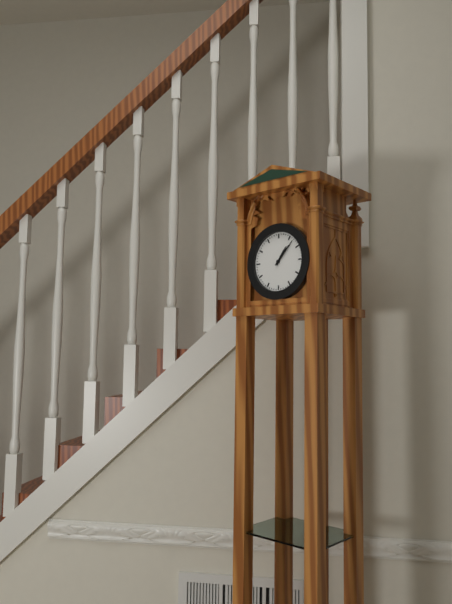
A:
1,07
